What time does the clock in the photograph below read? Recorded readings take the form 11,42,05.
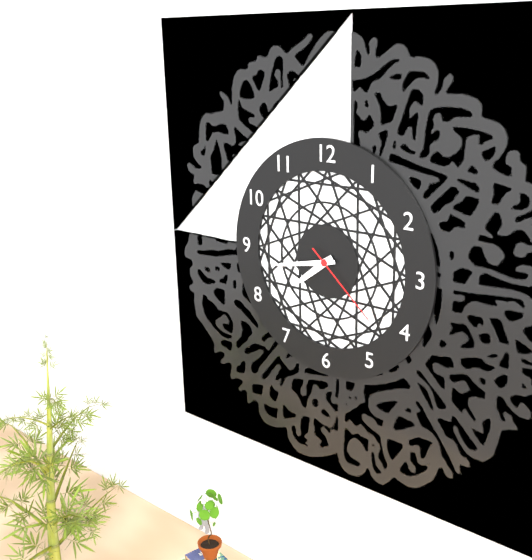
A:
7,43,22
